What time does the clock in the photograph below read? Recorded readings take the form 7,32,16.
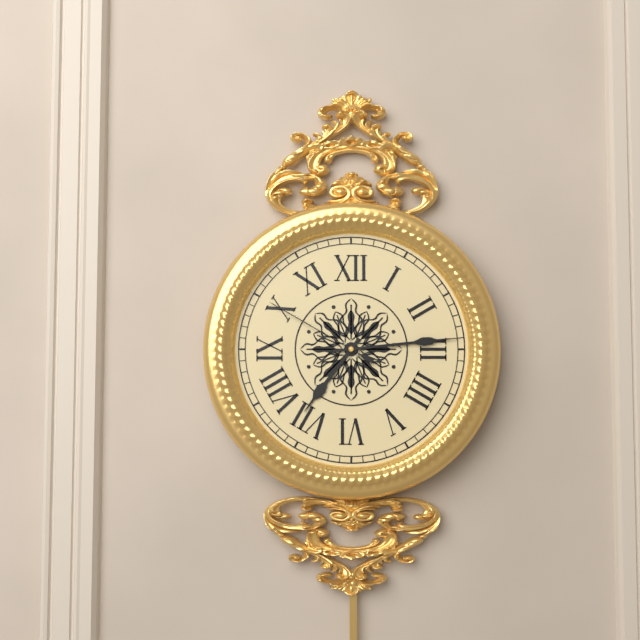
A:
7,14,50
